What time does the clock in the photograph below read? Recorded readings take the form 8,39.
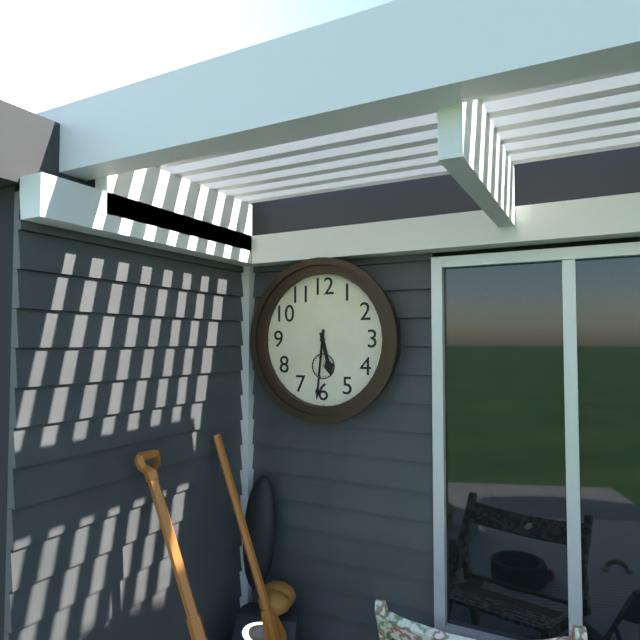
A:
5,31
